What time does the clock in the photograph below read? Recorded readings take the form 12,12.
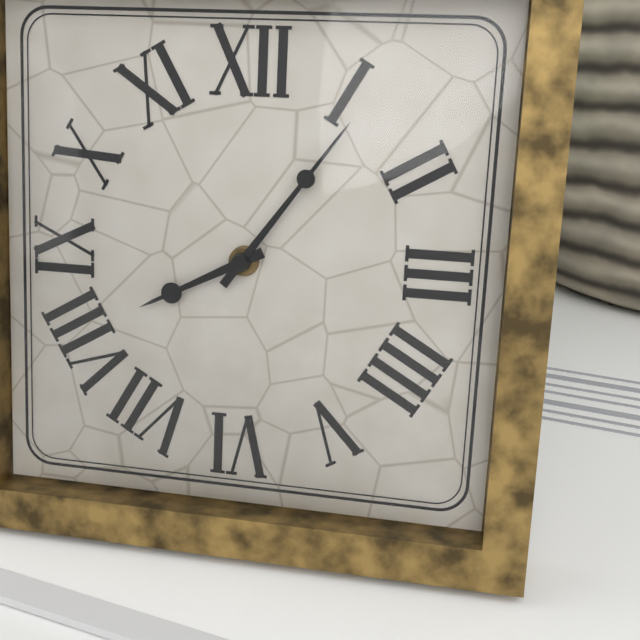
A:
8,06
